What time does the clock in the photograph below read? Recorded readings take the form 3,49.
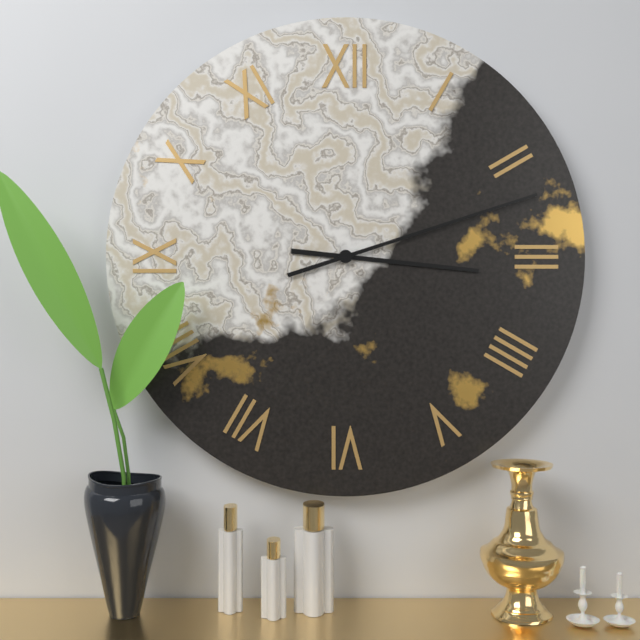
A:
3,12
